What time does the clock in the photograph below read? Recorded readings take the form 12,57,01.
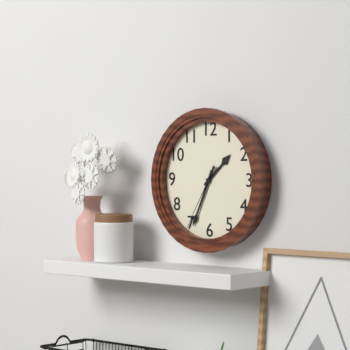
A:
1,34,35
